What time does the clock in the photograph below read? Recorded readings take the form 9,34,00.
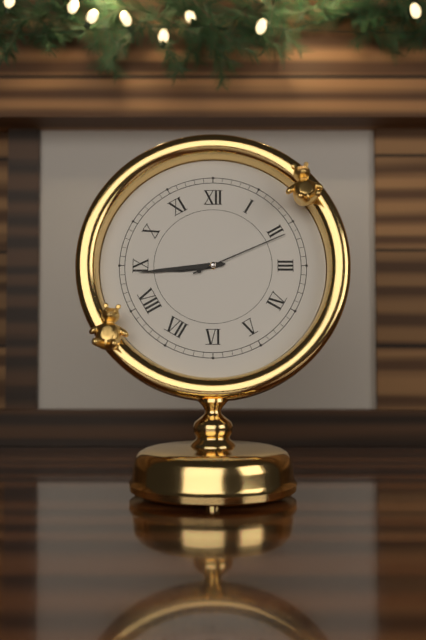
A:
8,44,11
